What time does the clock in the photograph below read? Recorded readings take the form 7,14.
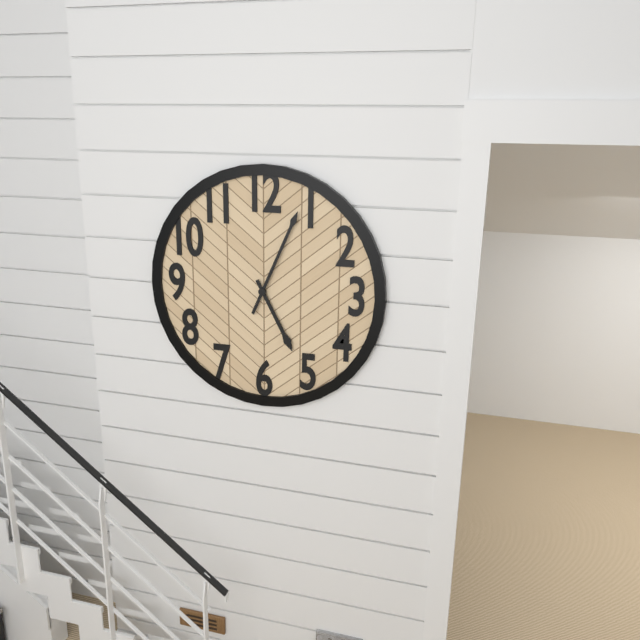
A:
5,04
